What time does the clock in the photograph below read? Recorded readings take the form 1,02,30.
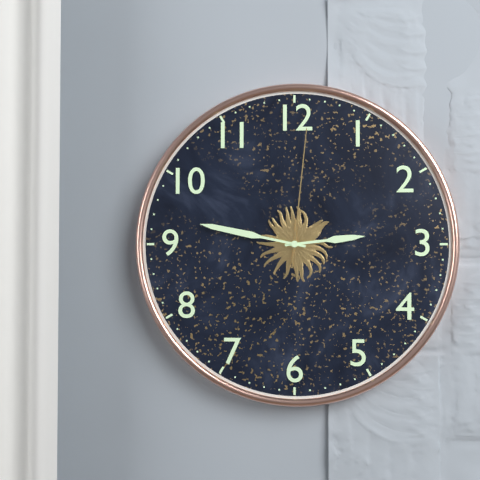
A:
2,47,01
